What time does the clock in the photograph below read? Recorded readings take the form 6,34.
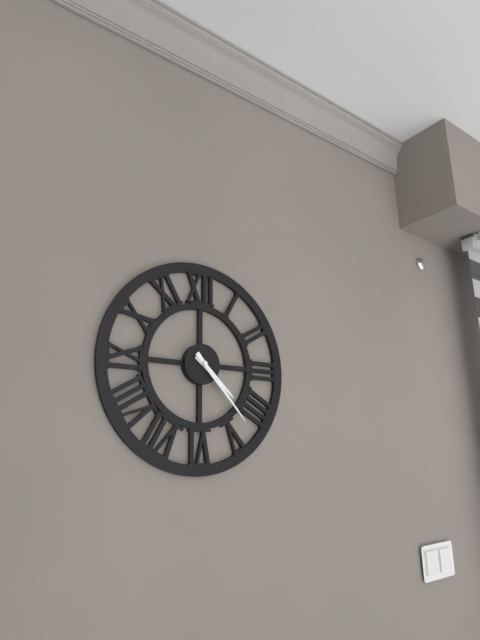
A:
4,23
